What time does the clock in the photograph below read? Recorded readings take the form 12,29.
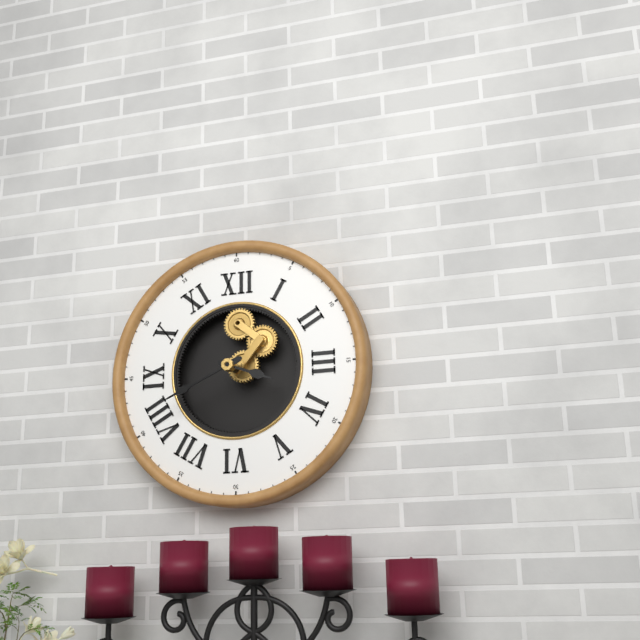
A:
3,41
